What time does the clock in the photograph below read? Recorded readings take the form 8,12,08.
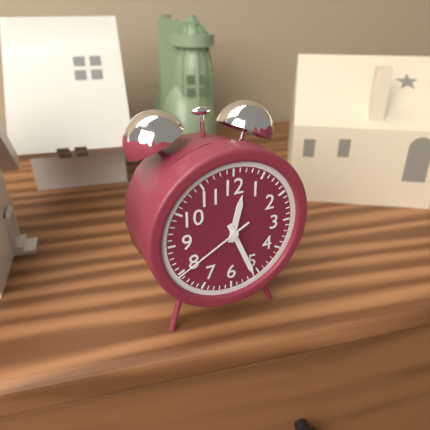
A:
12,26,40
